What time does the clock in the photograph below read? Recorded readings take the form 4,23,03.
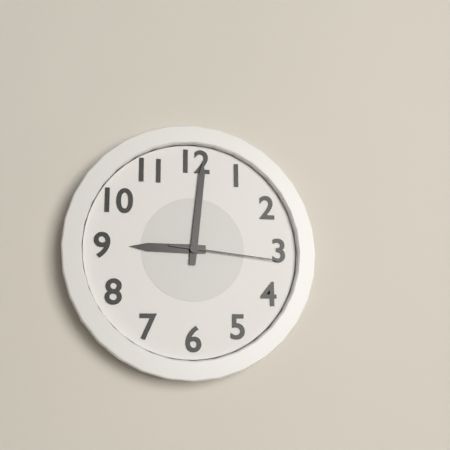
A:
9,01,16
